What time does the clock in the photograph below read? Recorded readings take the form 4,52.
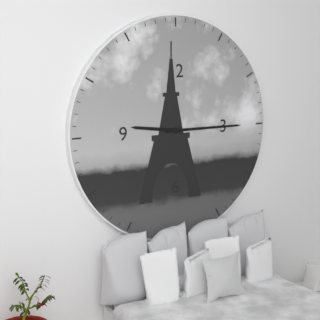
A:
9,15
